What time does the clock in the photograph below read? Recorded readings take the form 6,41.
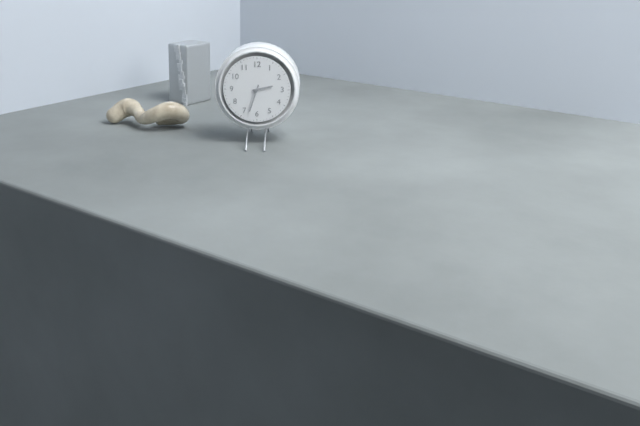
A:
2,33
